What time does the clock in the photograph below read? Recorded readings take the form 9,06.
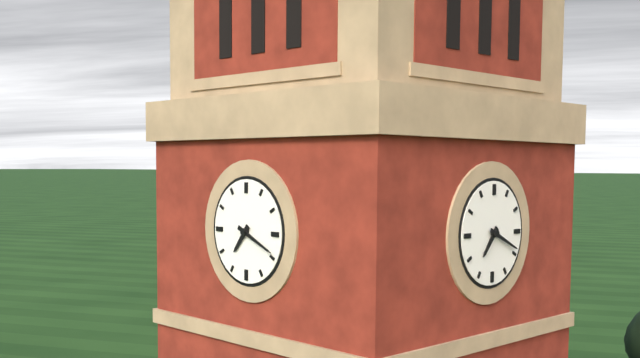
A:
7,19
